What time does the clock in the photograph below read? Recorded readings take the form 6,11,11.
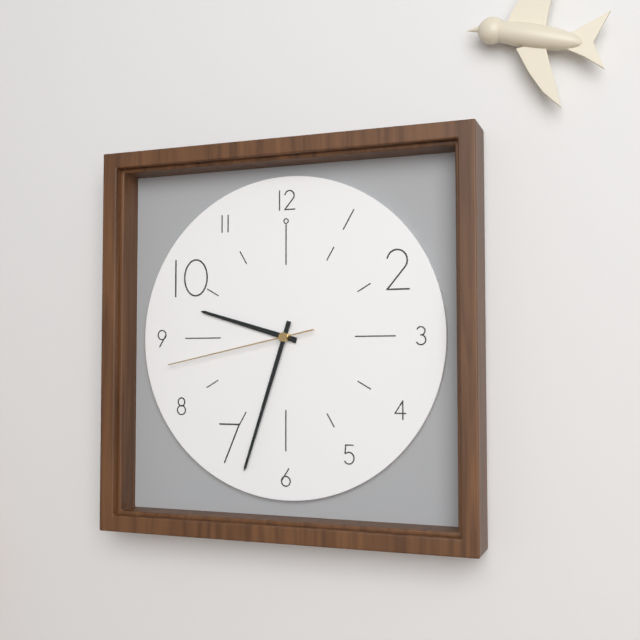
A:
9,33,43
